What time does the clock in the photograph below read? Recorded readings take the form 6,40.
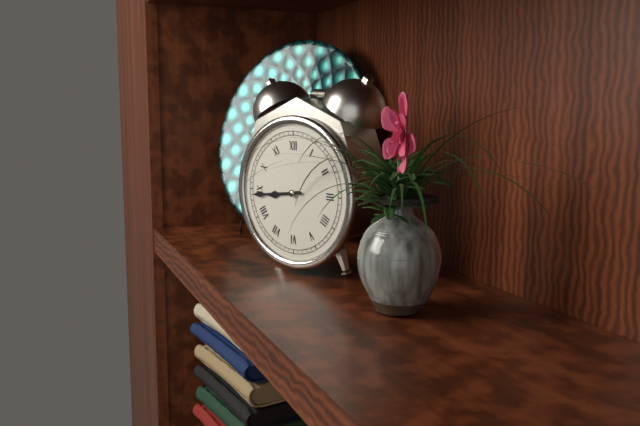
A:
8,44
